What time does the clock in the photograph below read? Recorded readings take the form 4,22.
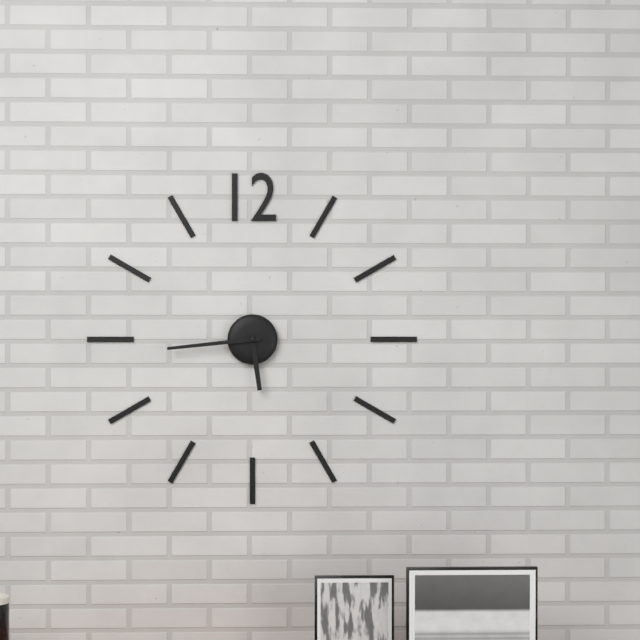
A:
5,44
